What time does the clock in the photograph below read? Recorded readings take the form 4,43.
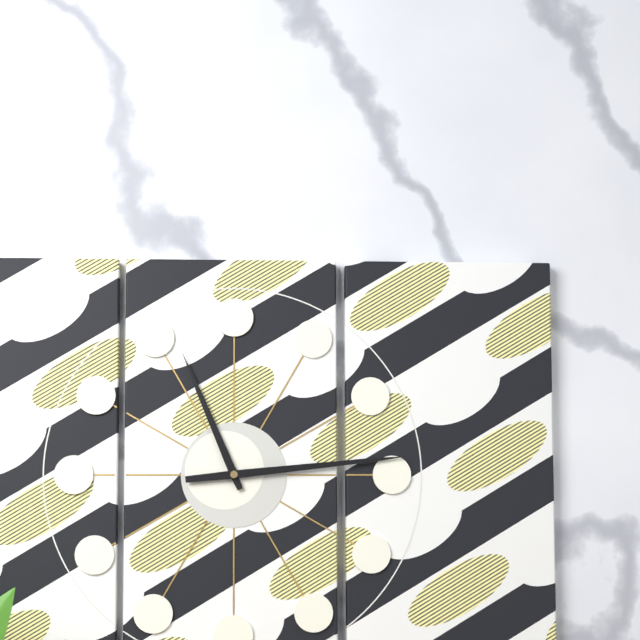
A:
11,14
